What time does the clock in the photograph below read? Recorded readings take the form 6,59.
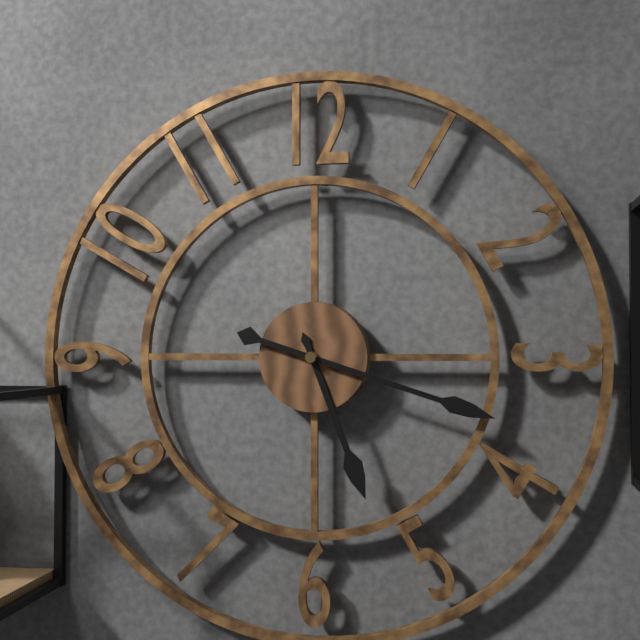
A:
5,18
